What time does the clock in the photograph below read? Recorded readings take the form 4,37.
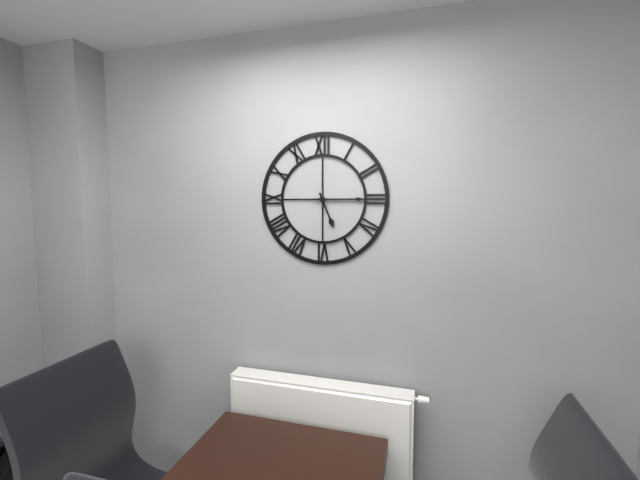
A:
5,15
